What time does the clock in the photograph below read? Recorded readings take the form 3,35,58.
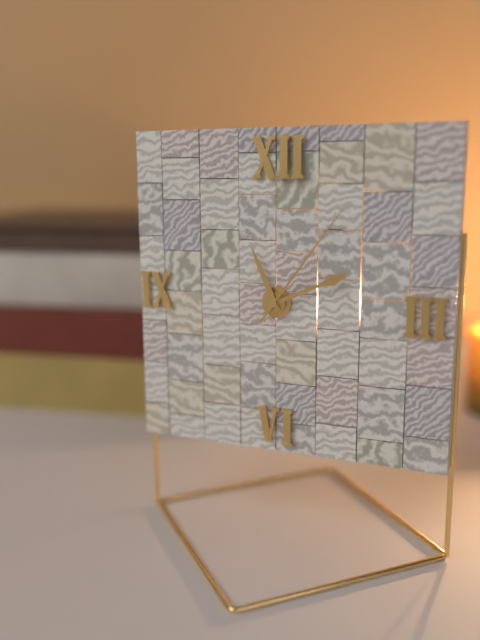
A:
11,11,06
